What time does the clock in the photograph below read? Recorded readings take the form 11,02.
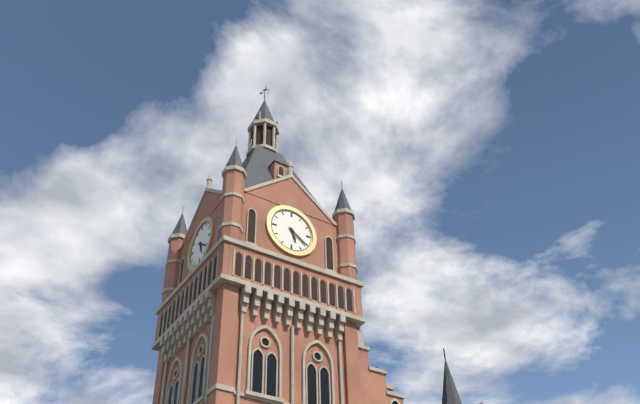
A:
5,21
